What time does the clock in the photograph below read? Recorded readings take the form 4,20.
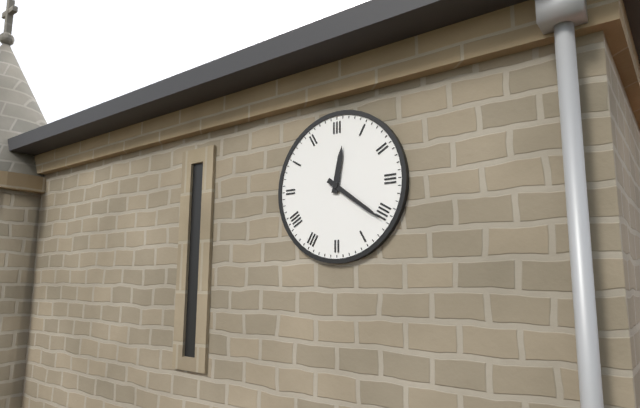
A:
12,21
